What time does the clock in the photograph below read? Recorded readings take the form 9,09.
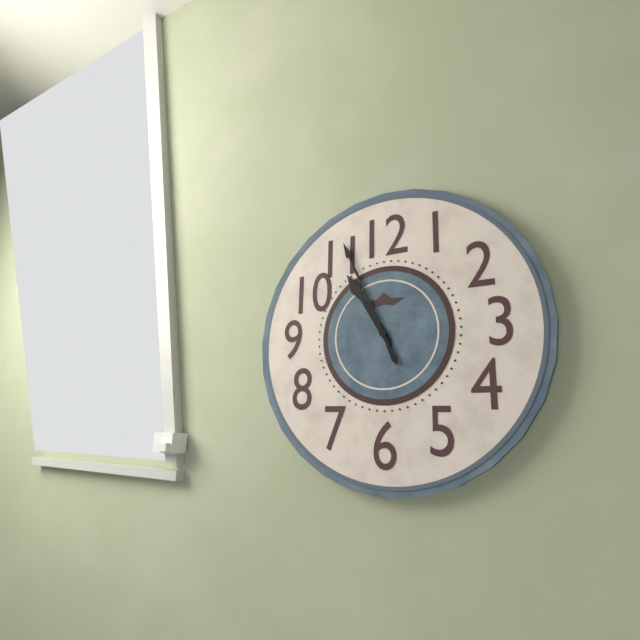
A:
10,56
